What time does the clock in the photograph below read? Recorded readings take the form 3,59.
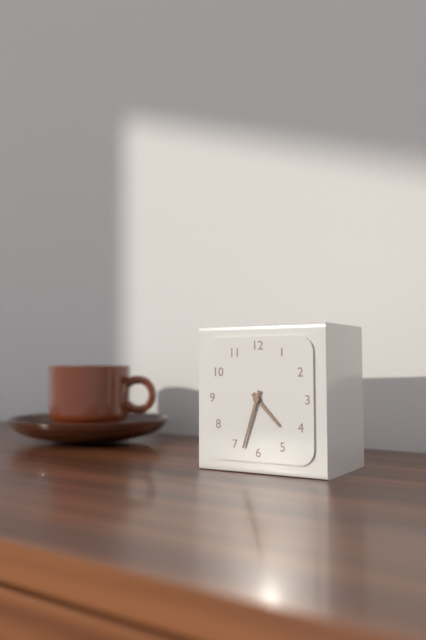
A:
4,33
